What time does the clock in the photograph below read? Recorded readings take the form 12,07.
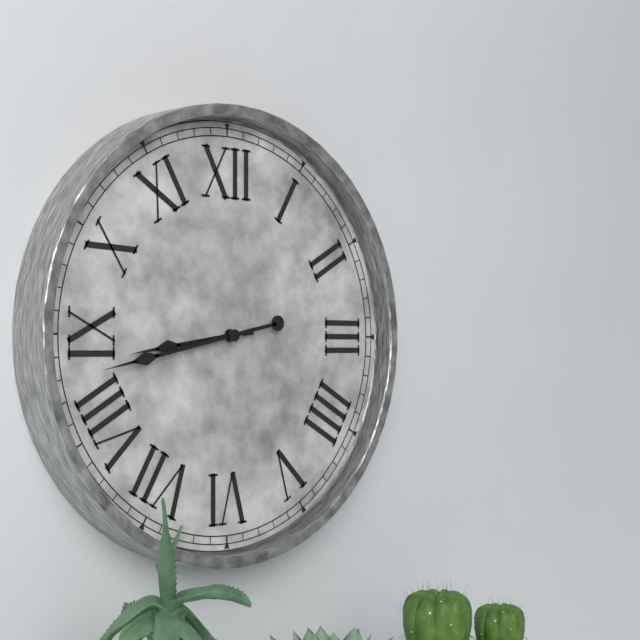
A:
8,43
